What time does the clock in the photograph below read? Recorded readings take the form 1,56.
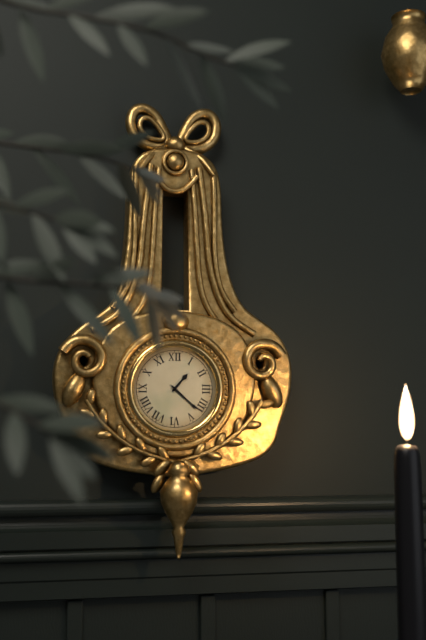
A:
1,22
